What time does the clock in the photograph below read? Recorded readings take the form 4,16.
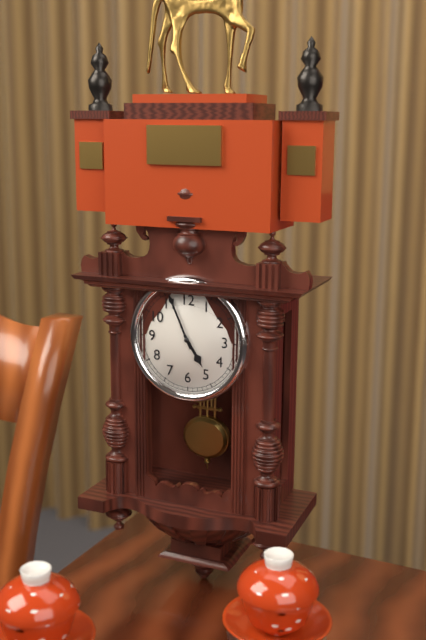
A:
4,56
